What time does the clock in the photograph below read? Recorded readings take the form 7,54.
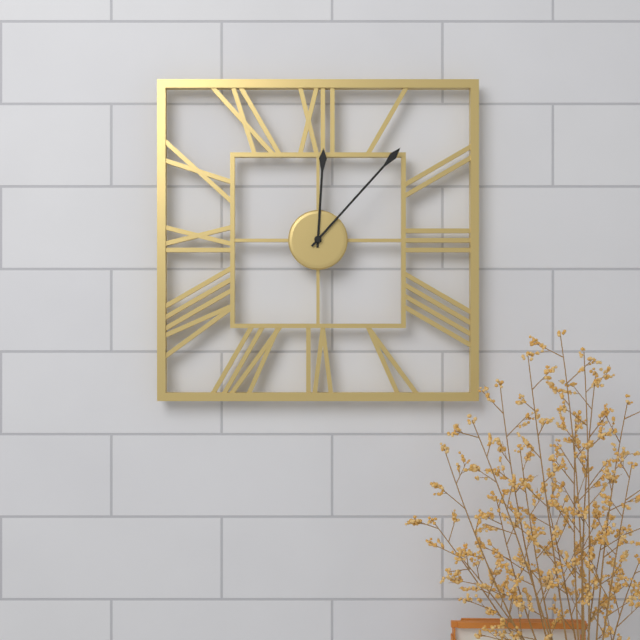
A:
12,07
